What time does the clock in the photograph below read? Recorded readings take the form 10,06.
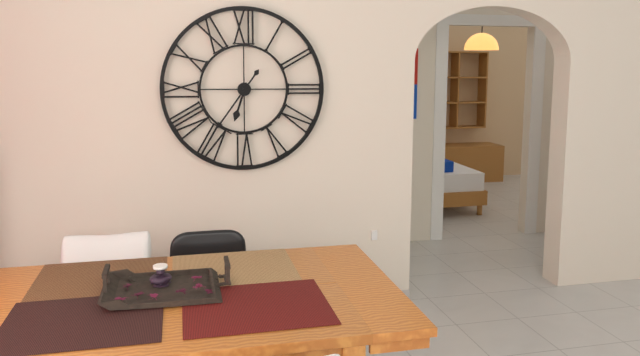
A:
6,36
